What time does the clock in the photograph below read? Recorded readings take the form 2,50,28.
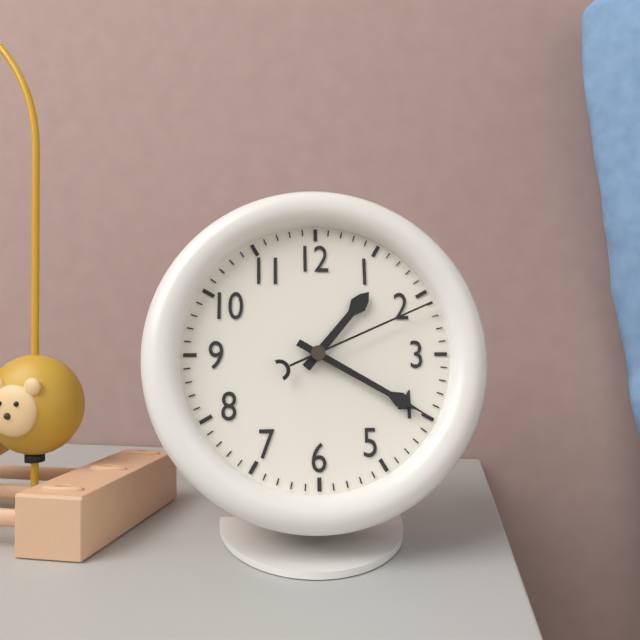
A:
1,20,11
